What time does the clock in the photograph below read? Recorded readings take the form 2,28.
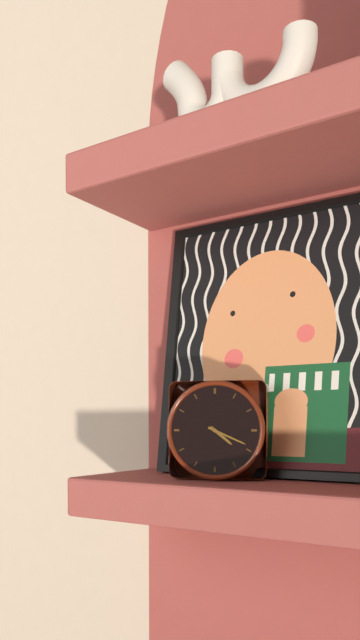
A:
4,19
